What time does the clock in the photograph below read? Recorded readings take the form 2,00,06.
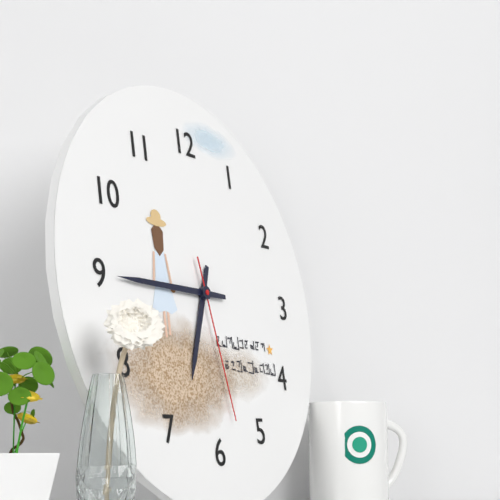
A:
6,45,28
